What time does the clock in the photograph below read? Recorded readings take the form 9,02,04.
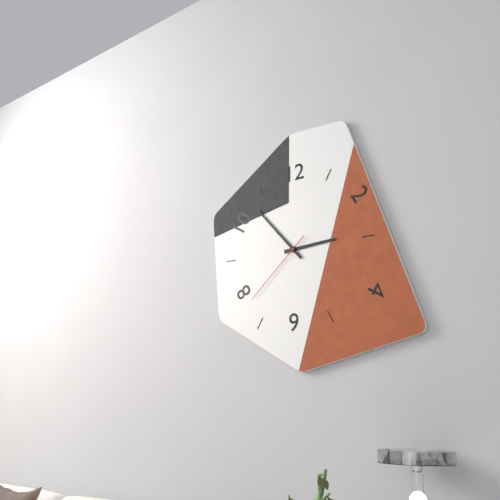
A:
2,53,38
